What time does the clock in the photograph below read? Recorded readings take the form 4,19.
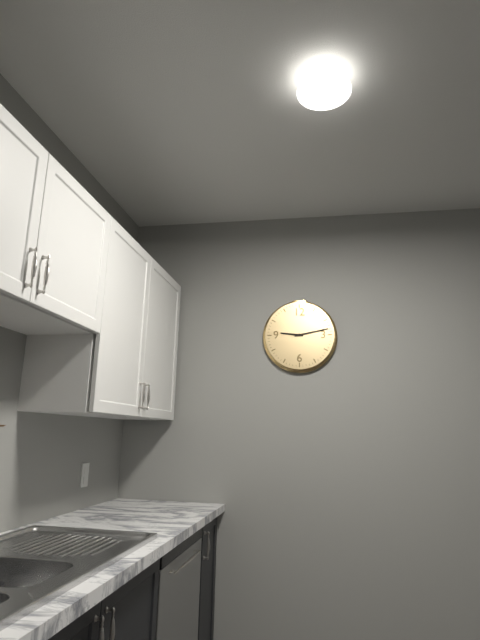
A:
9,13
